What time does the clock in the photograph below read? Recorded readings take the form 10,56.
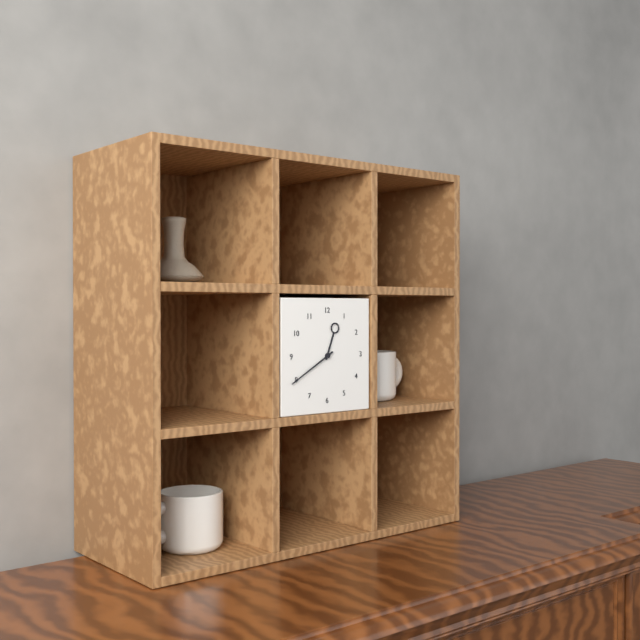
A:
12,40
